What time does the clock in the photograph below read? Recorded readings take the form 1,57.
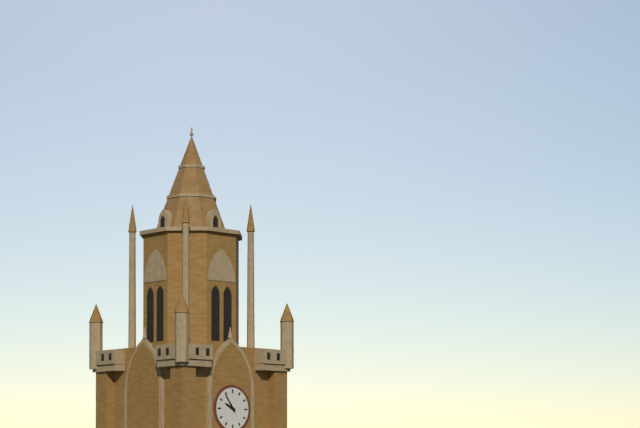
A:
9,54
